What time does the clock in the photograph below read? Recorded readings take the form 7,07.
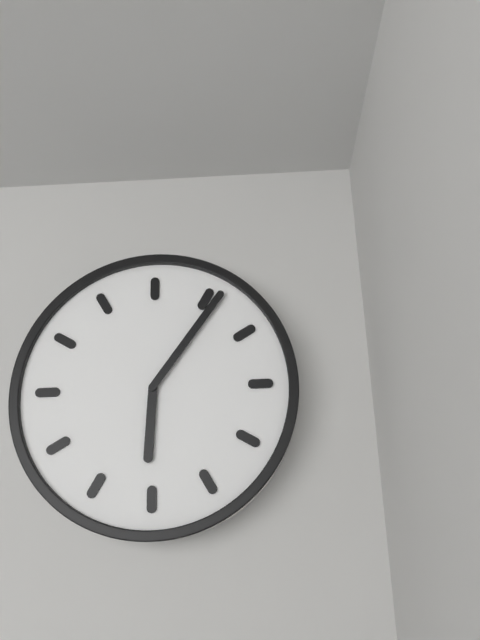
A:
6,06
